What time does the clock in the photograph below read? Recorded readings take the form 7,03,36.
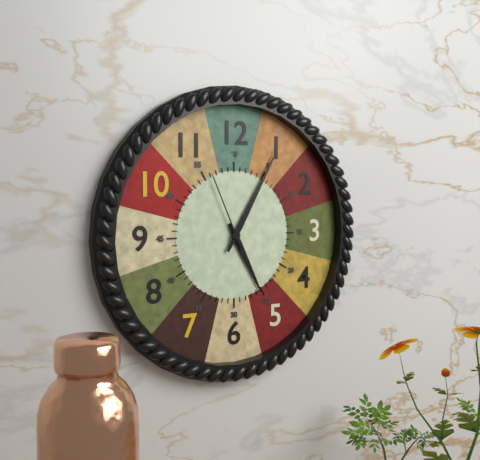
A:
5,05,56
